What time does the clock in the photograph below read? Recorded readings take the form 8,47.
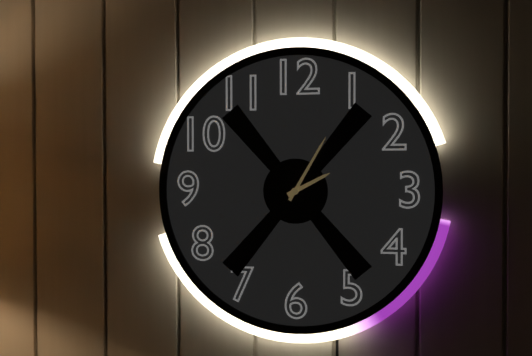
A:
2,05
